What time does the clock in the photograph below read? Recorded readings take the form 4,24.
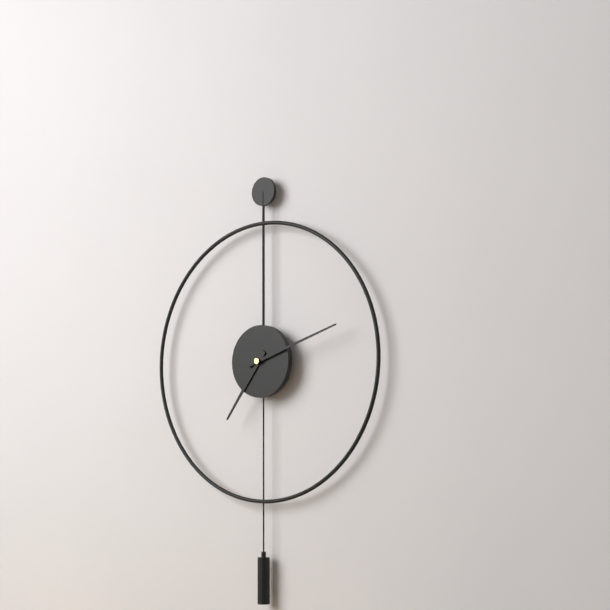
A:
7,12
